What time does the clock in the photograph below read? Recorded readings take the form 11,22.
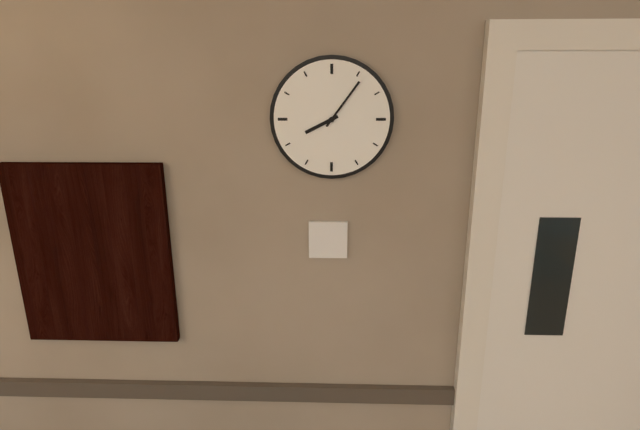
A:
8,06
